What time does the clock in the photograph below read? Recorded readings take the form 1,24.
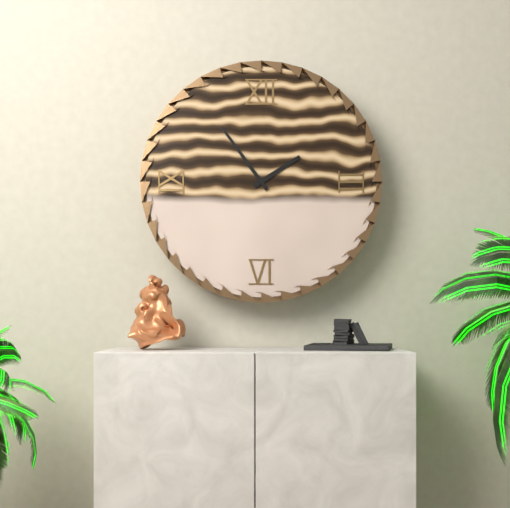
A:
1,54
